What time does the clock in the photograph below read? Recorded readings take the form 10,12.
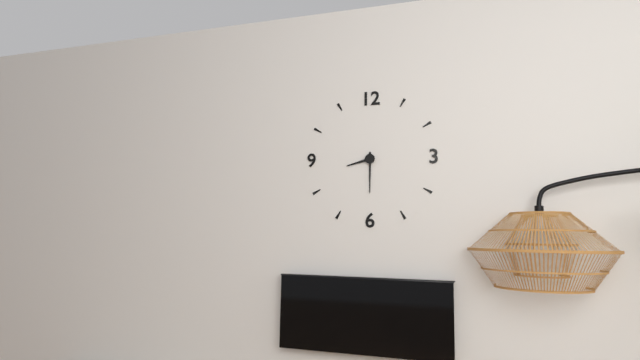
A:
8,30
